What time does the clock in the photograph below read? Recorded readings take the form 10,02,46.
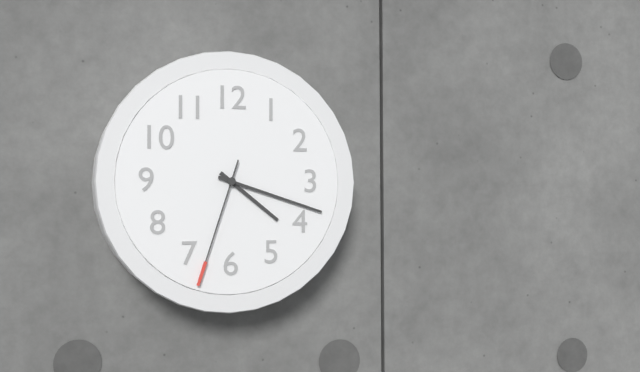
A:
4,18,33
